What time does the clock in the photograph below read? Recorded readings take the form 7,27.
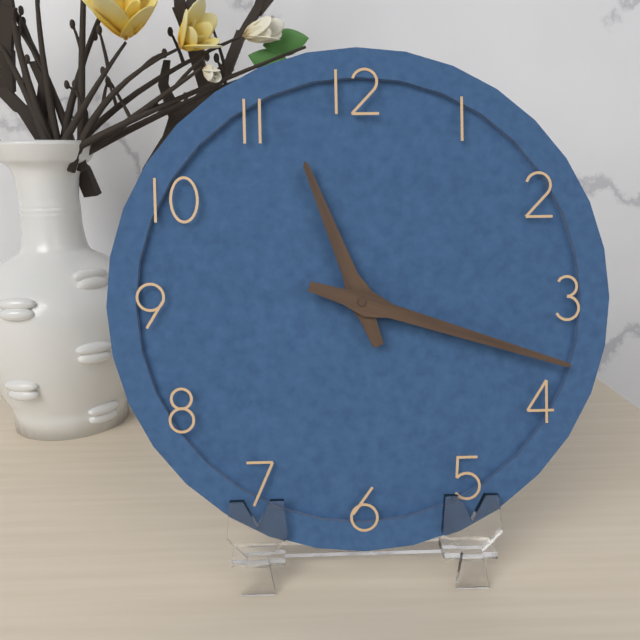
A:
11,18
